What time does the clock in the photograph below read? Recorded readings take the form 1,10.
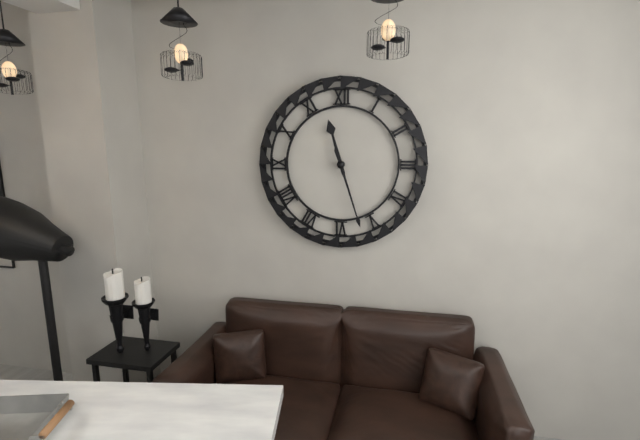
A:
11,27
